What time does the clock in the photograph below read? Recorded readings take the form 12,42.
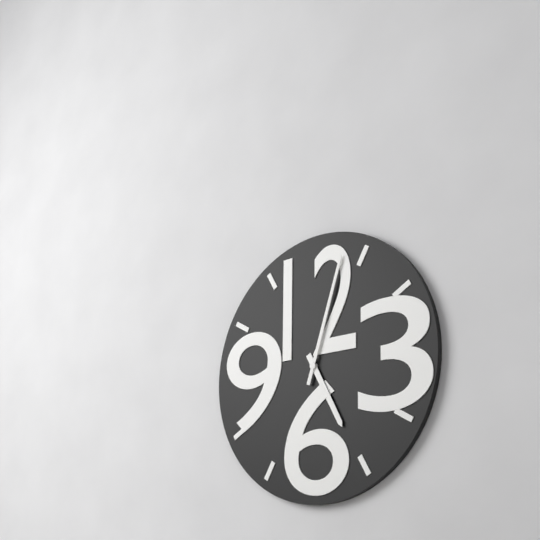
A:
5,03
